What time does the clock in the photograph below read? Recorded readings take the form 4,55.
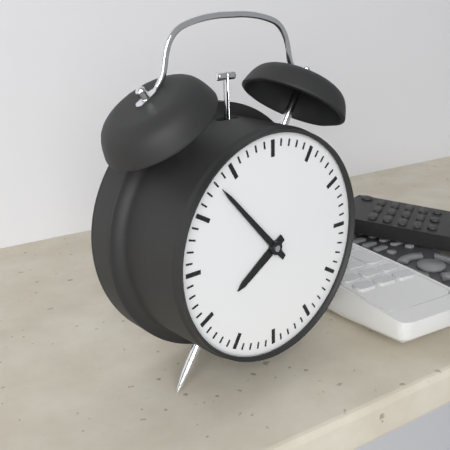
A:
7,53
